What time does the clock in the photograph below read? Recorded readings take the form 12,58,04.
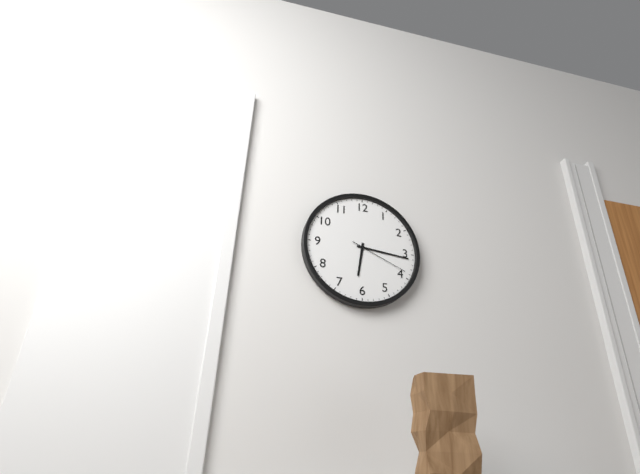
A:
6,16,19
